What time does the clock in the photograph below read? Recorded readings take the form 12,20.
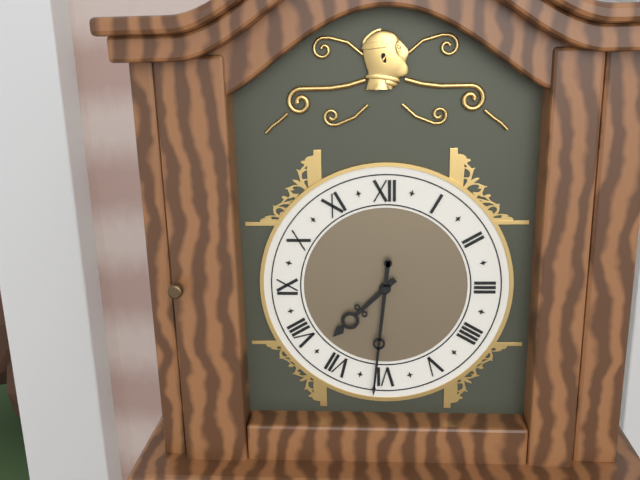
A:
7,31
